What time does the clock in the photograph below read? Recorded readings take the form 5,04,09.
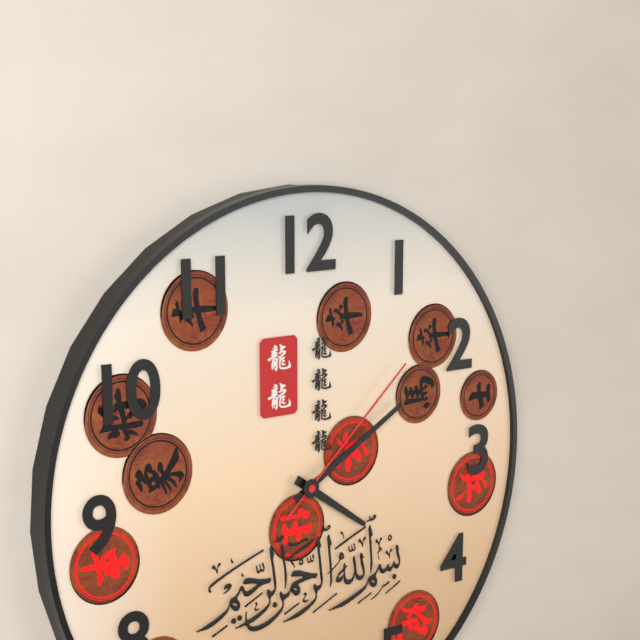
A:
4,10,08
